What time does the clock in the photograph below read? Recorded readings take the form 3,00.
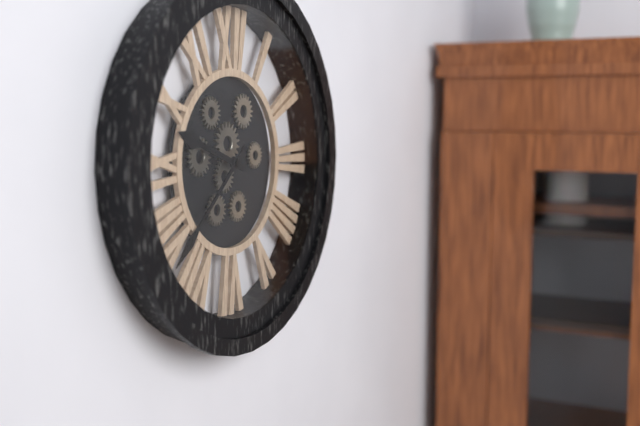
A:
9,38
